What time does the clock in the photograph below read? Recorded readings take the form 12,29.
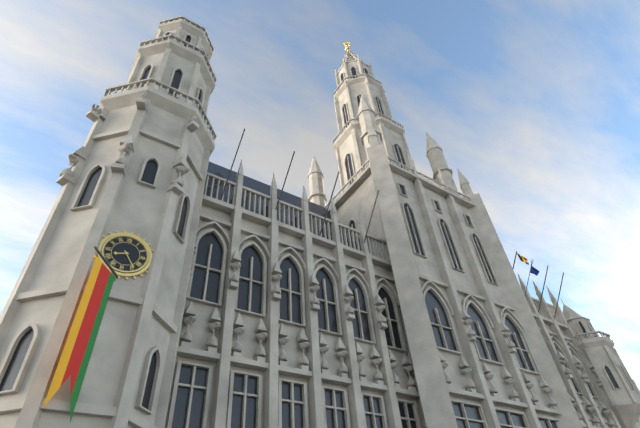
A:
8,24
